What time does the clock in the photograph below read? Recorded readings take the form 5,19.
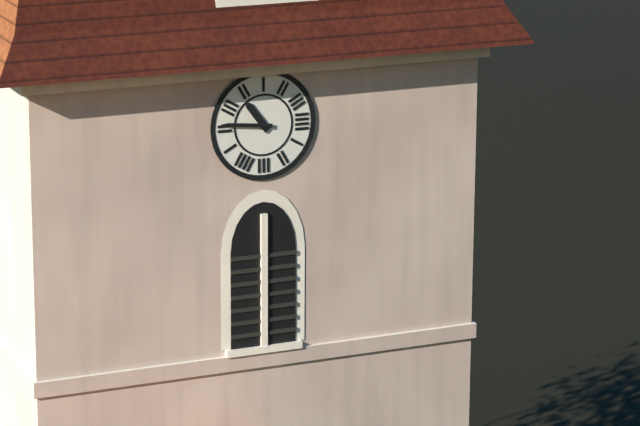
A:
10,46
